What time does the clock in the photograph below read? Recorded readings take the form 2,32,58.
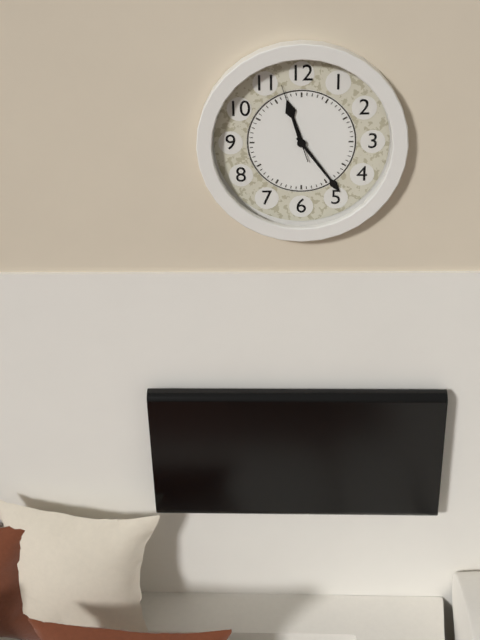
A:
11,24,57
